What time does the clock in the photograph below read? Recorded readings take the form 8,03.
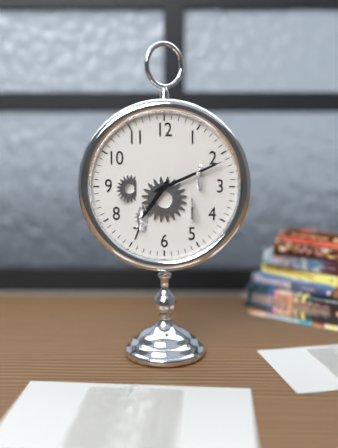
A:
7,11
